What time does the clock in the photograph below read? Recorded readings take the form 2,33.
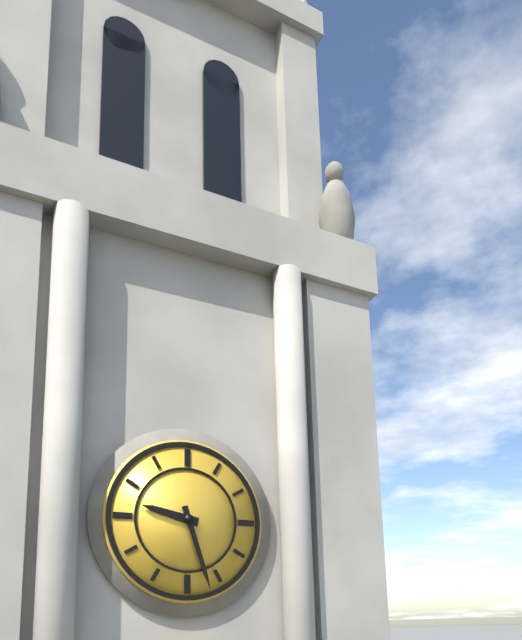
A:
9,27
